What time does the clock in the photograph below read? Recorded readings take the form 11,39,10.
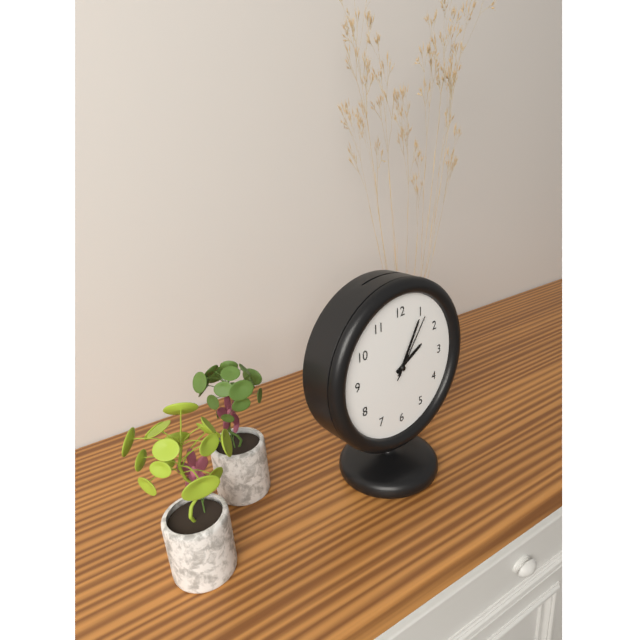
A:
2,05,06
